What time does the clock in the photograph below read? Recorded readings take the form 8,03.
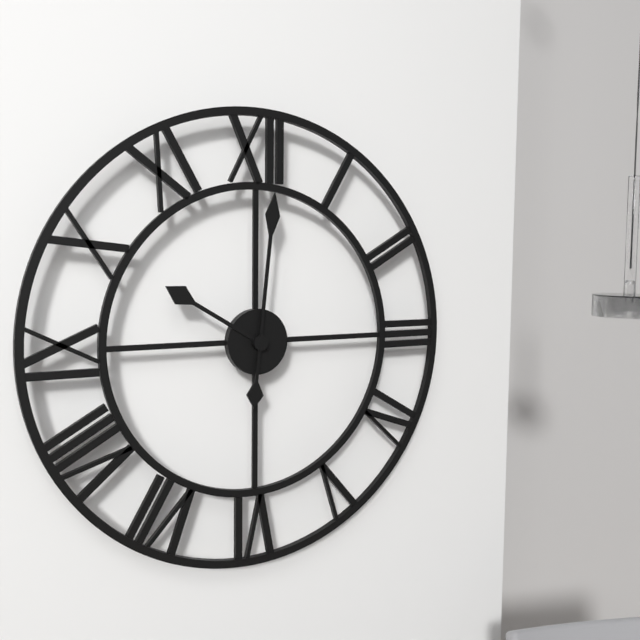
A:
10,01
